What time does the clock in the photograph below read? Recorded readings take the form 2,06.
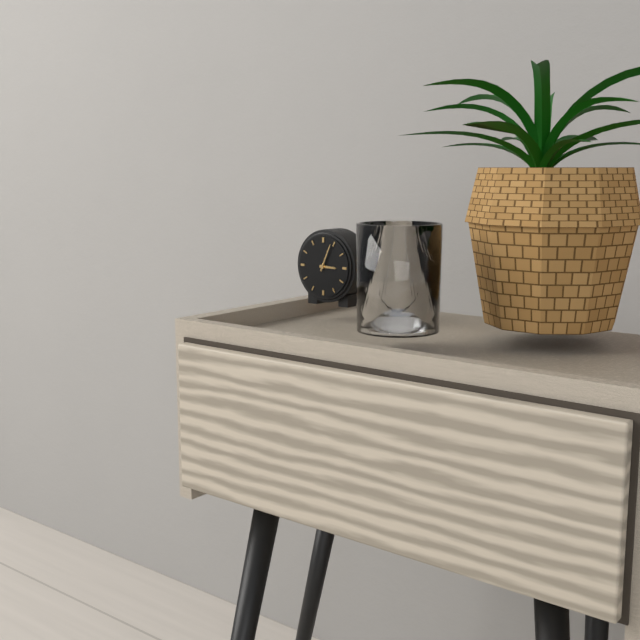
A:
3,04
